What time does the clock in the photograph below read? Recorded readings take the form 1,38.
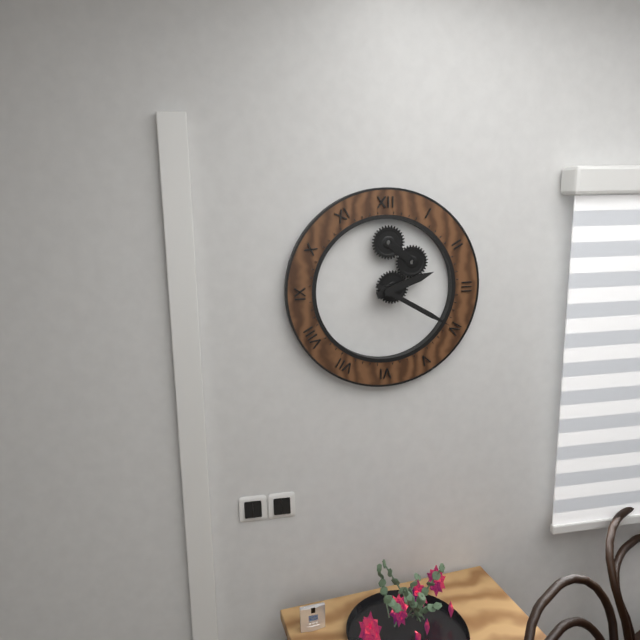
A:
2,20
